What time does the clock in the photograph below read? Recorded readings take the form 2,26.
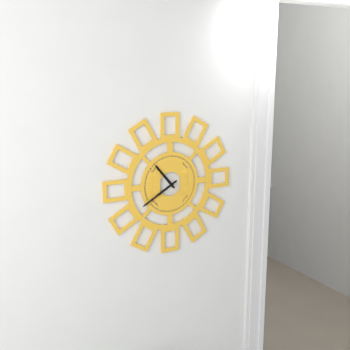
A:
10,40
